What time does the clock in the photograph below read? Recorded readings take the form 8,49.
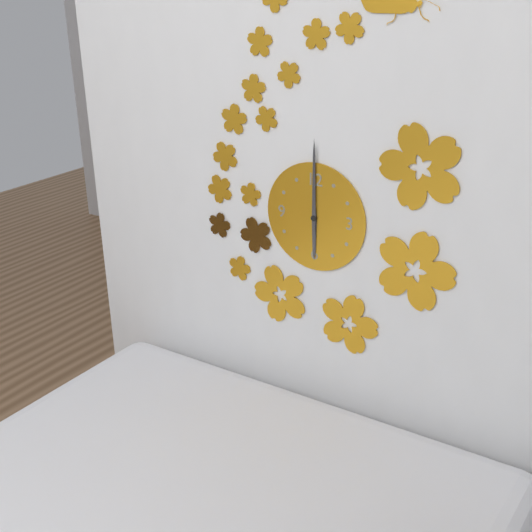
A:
6,00
